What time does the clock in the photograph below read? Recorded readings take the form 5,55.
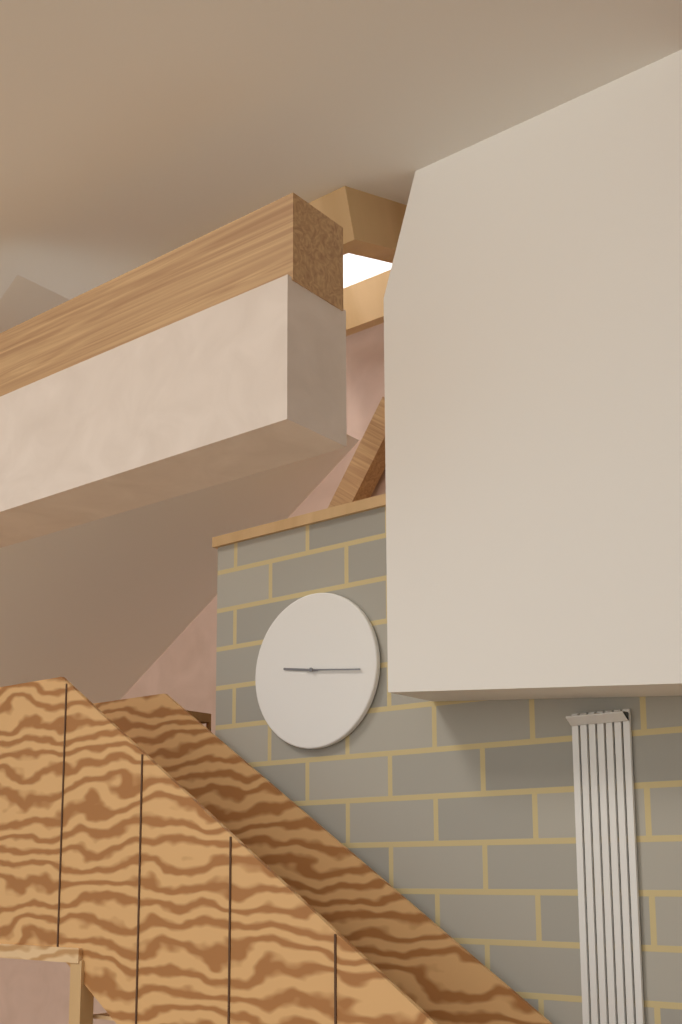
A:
9,16
